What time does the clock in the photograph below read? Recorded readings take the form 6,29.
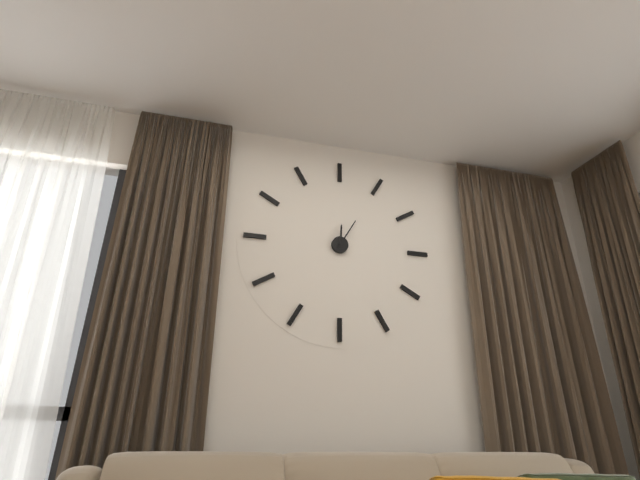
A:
12,05
